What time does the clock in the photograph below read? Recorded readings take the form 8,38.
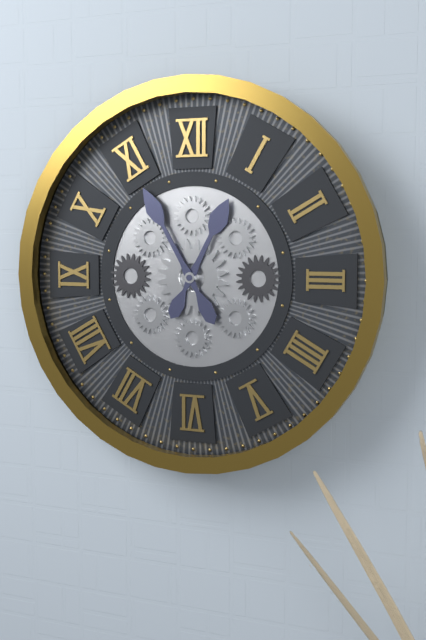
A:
12,55
